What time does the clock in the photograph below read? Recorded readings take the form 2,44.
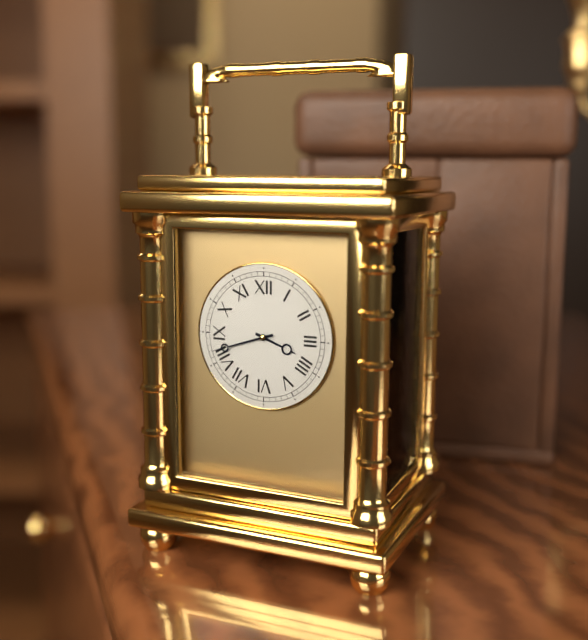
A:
3,42
